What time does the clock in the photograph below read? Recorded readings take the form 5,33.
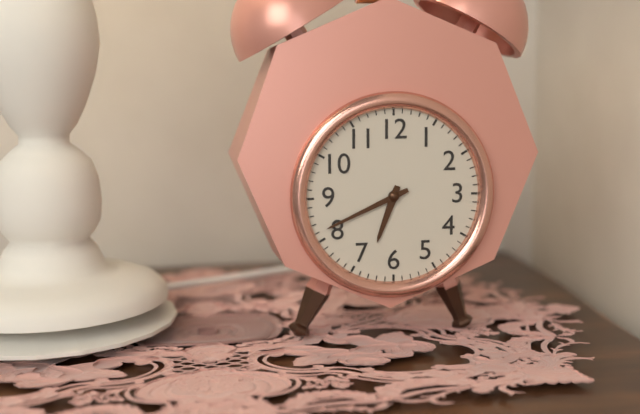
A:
6,41
